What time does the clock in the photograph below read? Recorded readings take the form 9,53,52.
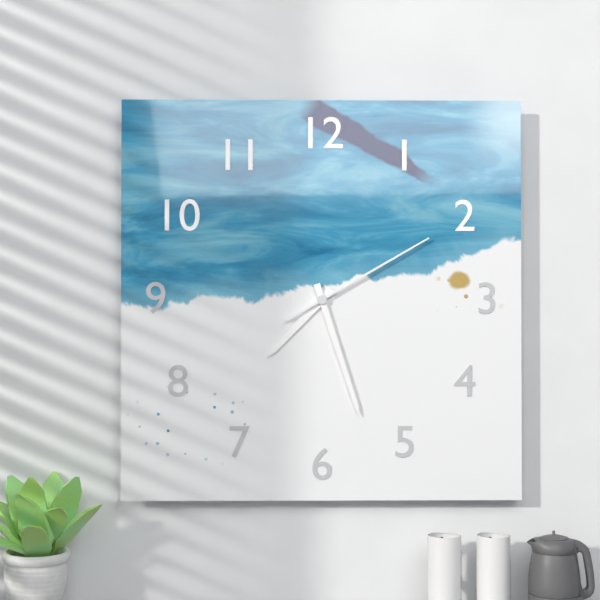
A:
7,27,10
